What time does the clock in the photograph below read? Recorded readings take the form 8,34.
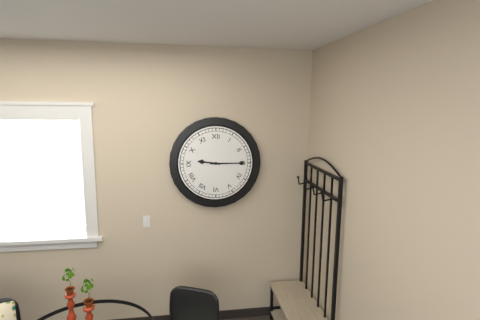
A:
9,15
